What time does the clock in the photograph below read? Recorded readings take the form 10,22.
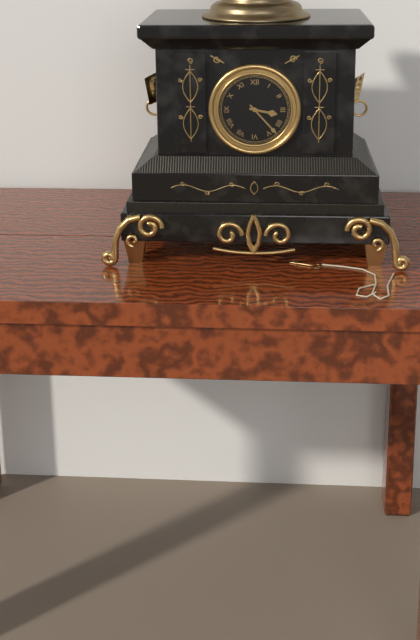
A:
3,23
